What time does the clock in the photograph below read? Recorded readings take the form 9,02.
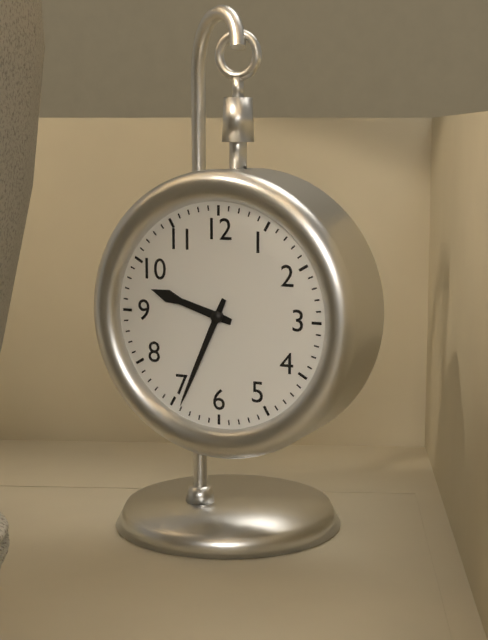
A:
9,34
